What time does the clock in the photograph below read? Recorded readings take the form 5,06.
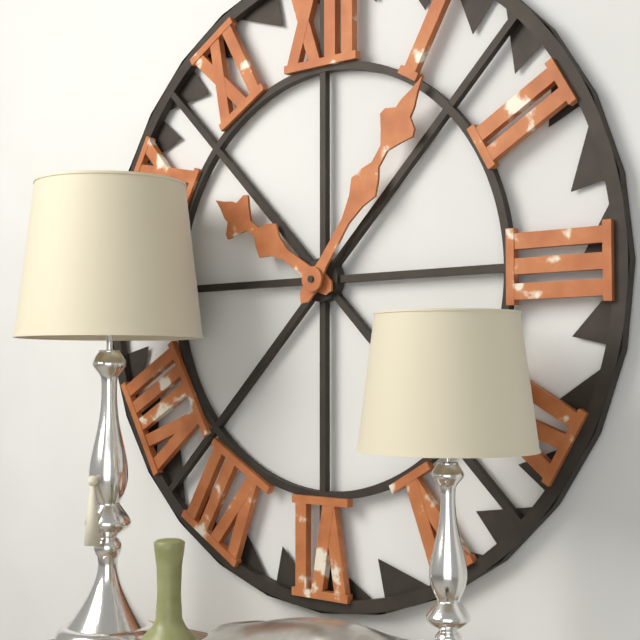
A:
10,06
